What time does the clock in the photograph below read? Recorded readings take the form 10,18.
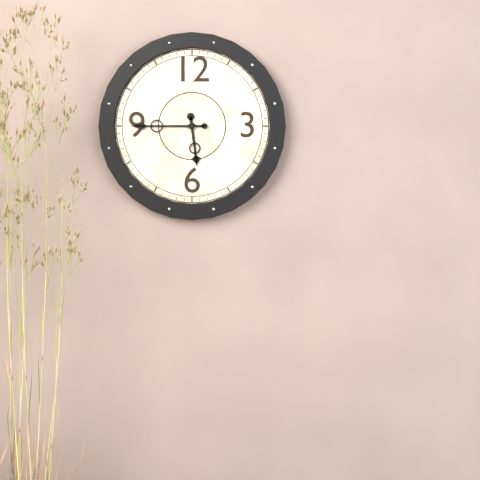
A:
5,45
